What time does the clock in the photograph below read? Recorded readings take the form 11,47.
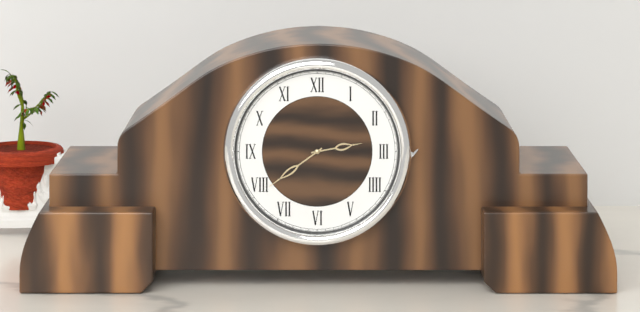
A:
2,39
